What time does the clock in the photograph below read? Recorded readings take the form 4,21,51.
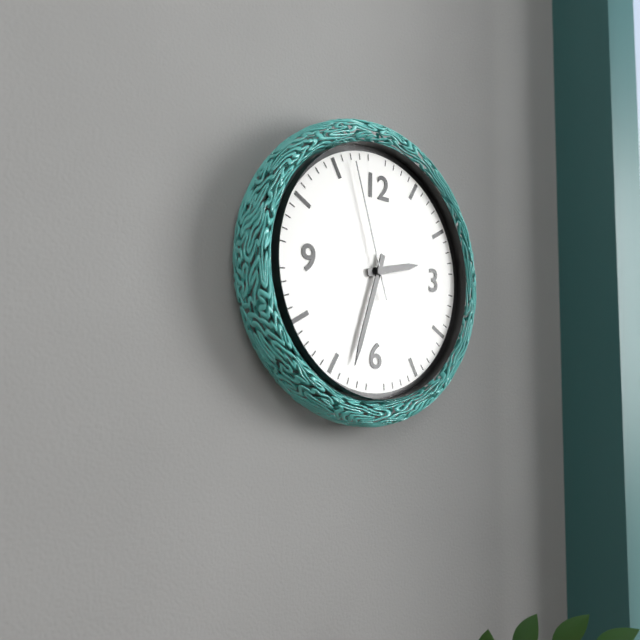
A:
2,33,57
